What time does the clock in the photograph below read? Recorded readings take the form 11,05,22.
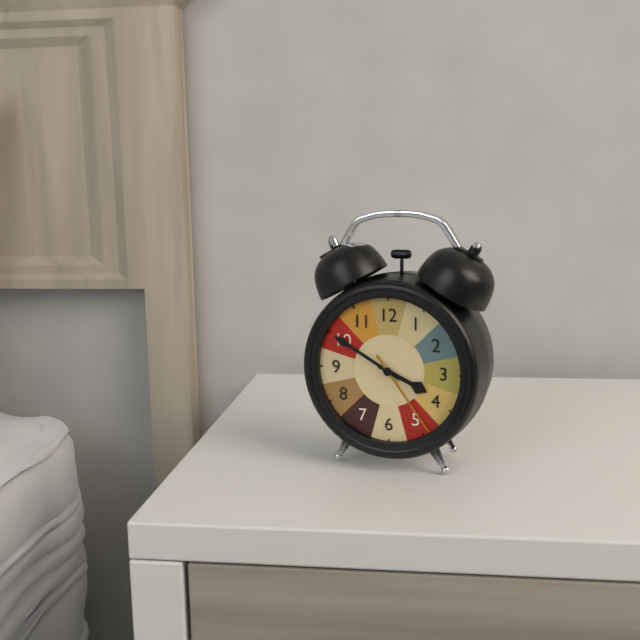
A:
3,50,24
